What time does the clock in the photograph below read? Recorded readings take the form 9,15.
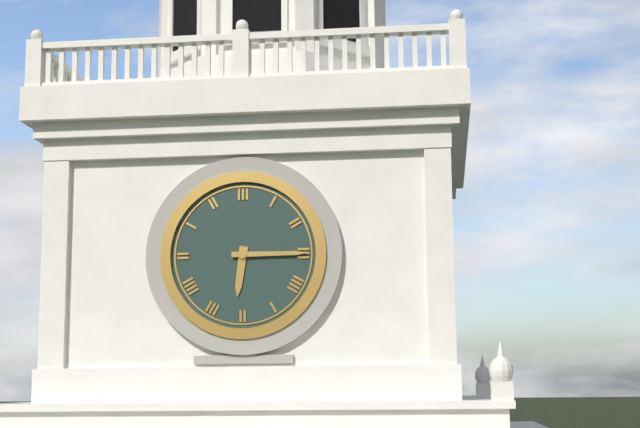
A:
6,15
